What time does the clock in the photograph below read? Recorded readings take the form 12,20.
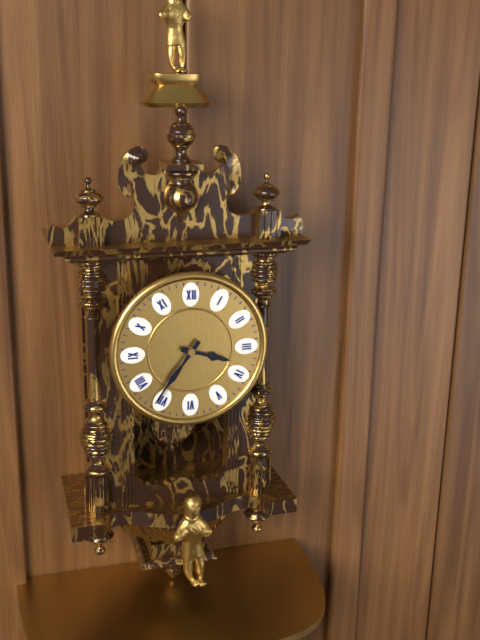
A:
3,36
